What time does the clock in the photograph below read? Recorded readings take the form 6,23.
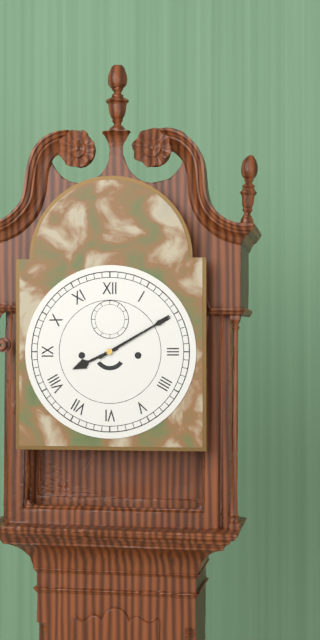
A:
8,10
